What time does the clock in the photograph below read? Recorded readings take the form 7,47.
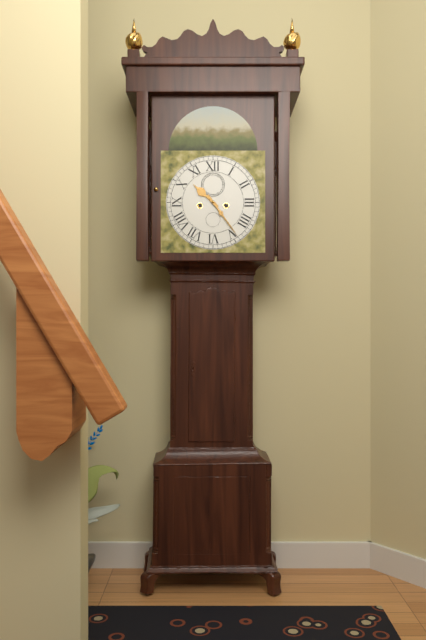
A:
10,24
